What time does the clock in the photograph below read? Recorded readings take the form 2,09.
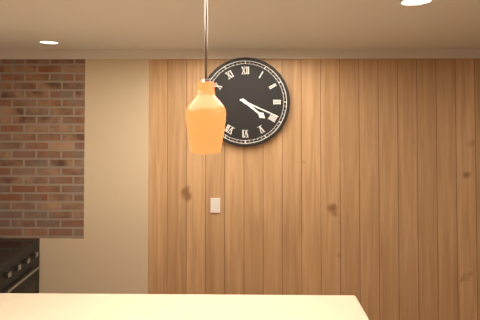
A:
4,19
